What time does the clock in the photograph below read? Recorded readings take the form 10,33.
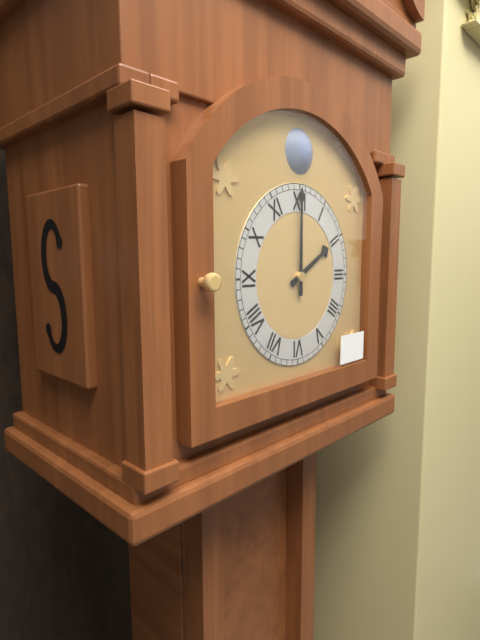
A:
2,00
